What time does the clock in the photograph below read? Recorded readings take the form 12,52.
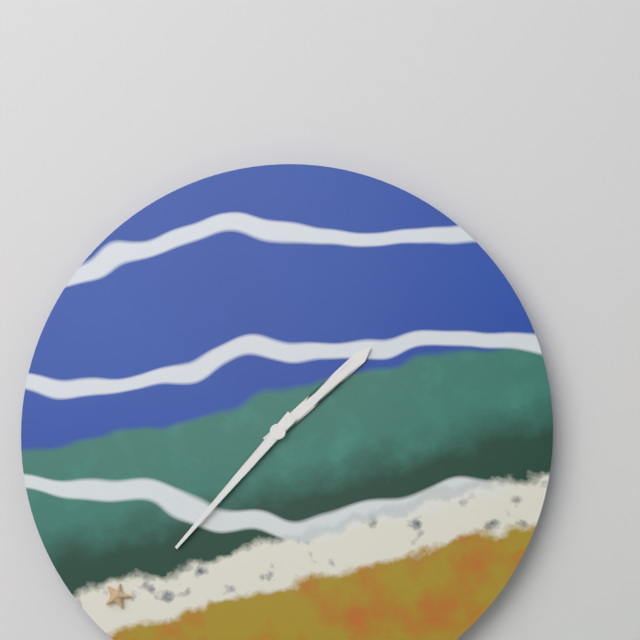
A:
1,37
